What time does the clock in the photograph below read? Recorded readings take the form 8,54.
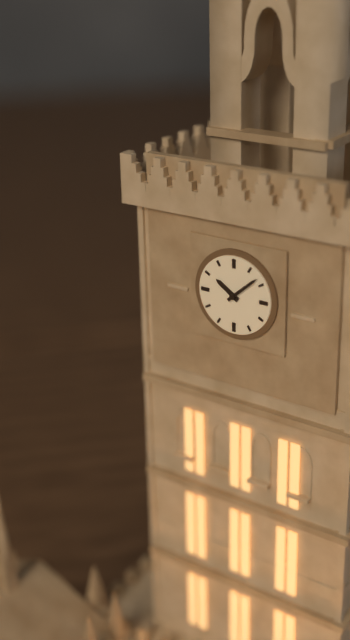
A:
10,08
